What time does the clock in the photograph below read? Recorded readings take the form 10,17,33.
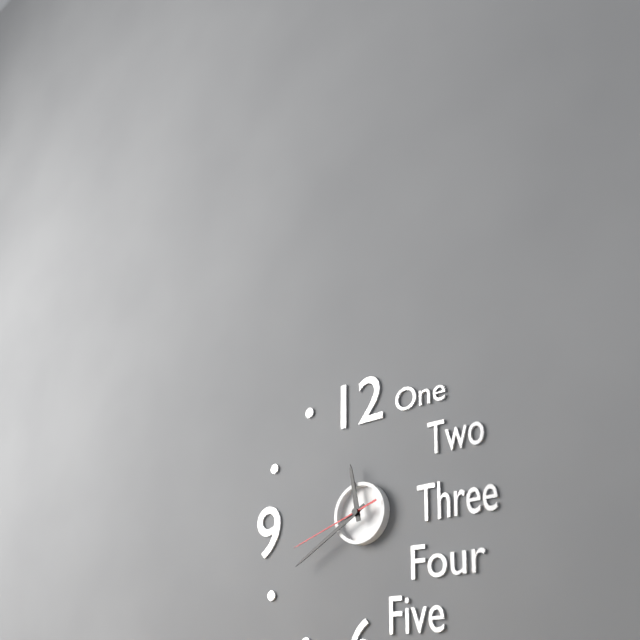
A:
11,40,42
